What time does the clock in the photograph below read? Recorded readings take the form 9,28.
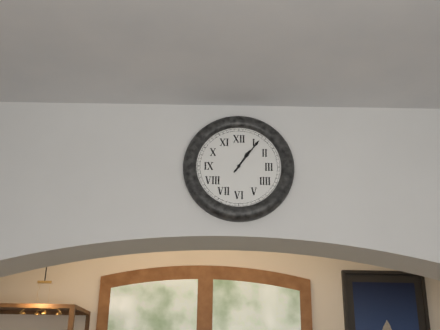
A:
1,06
